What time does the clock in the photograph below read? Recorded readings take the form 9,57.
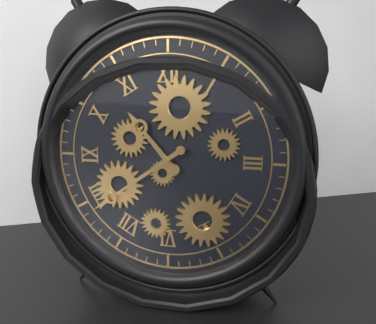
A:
10,39
